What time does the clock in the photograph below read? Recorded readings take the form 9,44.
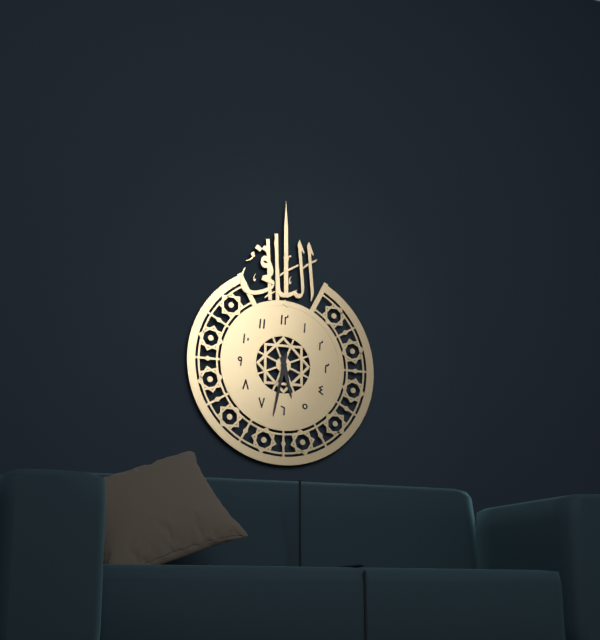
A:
5,32
